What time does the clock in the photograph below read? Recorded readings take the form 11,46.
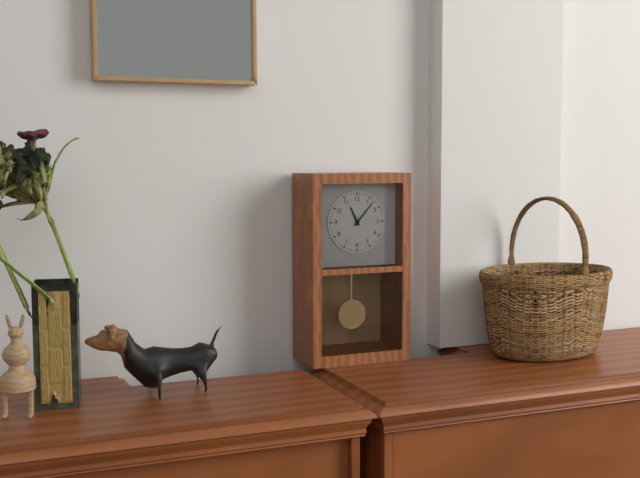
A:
11,07
